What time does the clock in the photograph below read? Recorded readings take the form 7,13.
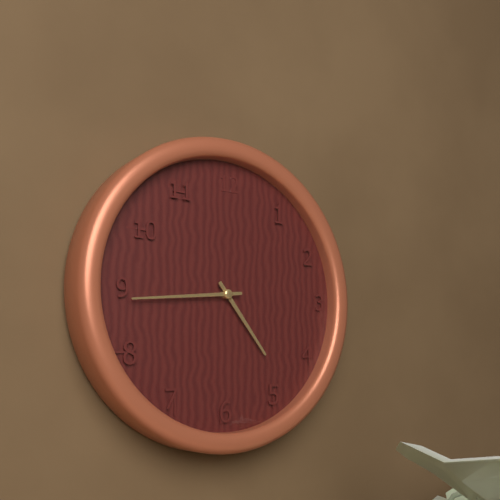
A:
4,44
